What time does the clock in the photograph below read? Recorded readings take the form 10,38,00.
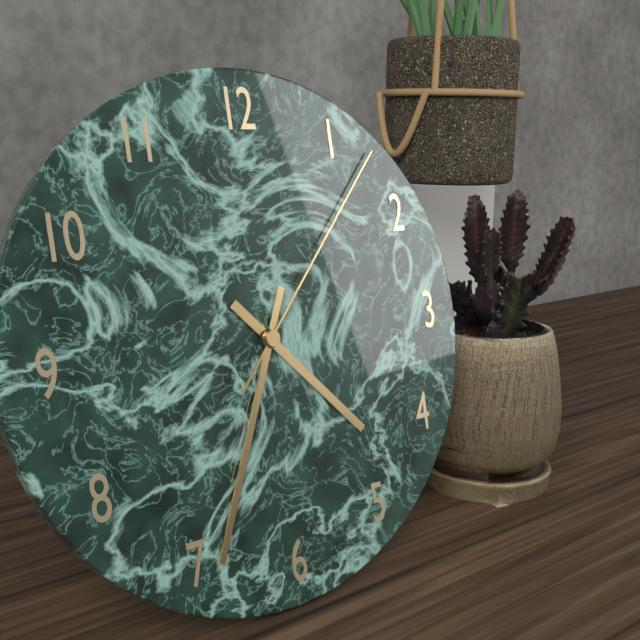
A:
4,34,07
